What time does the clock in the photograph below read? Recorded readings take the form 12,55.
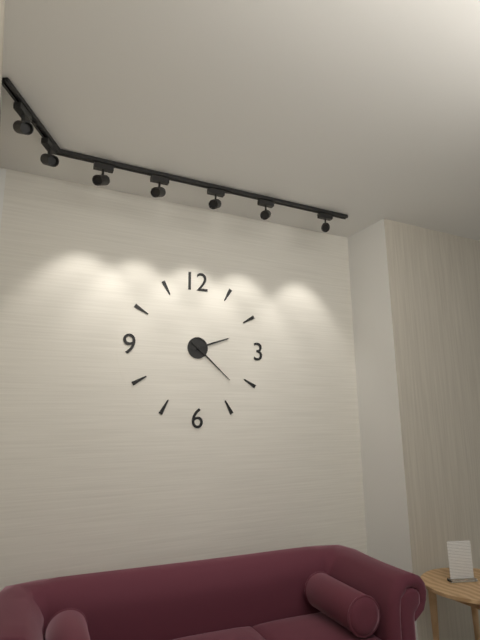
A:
2,22
